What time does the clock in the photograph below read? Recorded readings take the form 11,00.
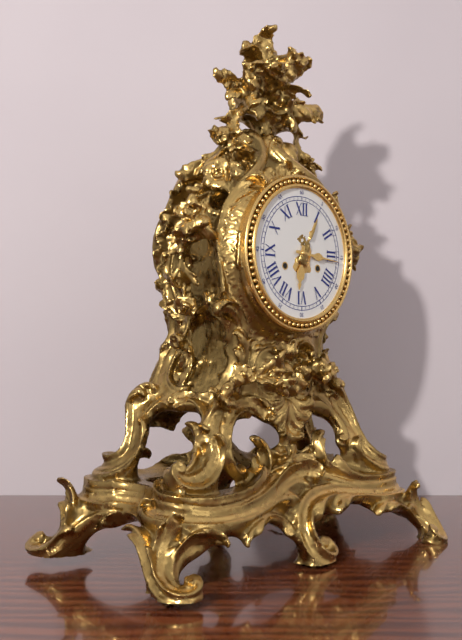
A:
6,16
